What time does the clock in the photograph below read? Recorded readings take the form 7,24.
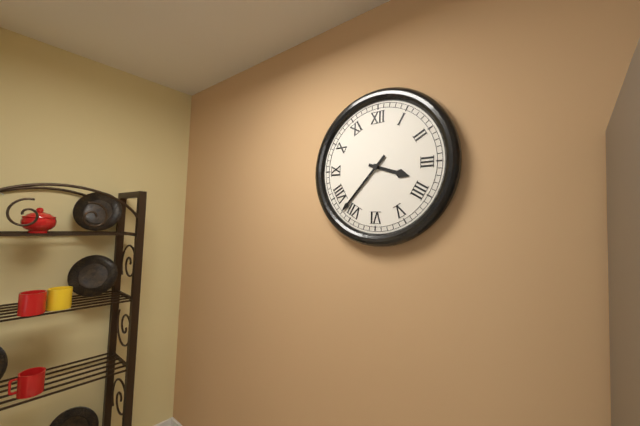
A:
3,37
